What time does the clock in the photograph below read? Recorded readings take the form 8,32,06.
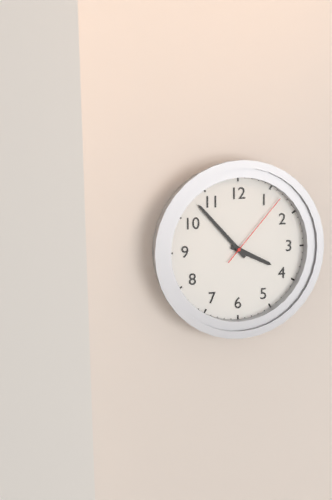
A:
3,53,07
